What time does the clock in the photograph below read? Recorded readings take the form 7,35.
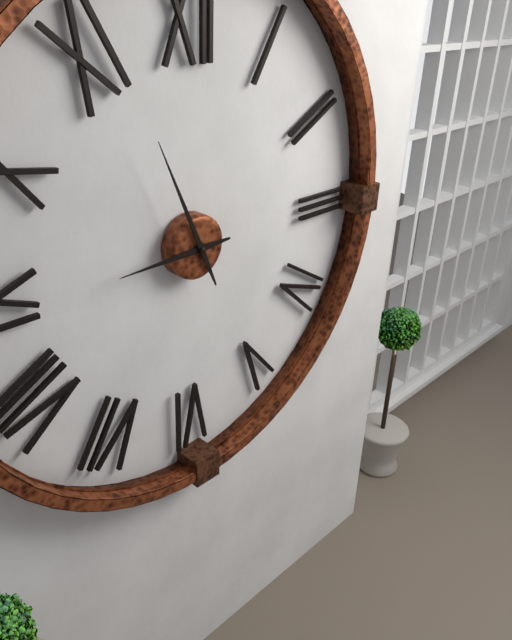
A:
8,56
